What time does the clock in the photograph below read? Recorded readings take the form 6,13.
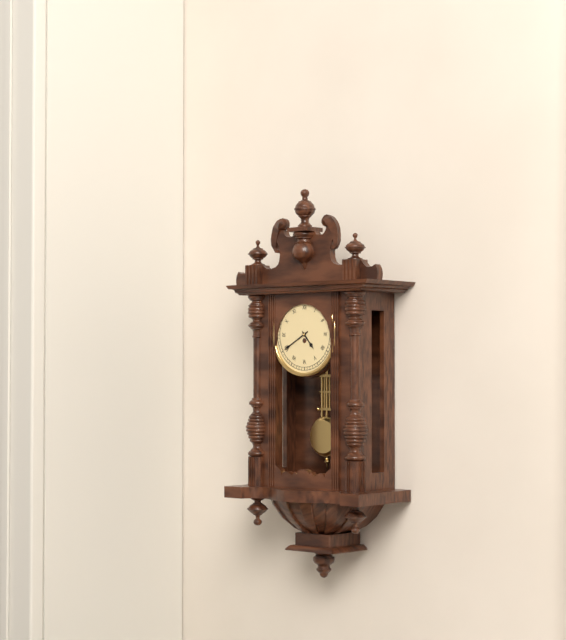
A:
4,40
